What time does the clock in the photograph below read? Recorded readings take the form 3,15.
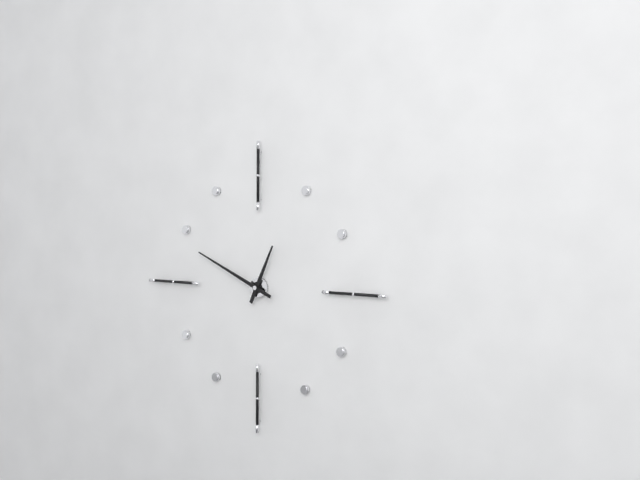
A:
12,49
